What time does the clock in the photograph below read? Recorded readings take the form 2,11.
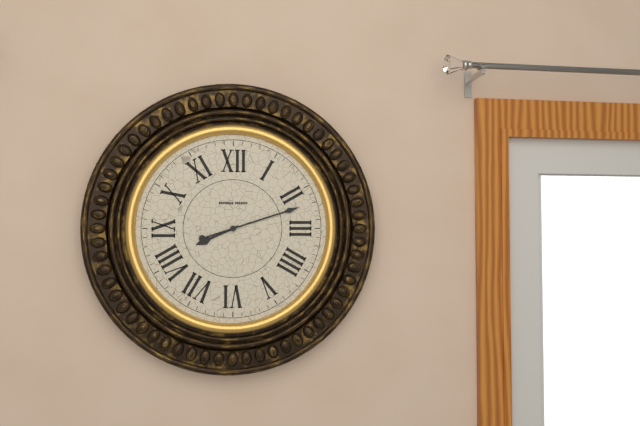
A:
8,12
